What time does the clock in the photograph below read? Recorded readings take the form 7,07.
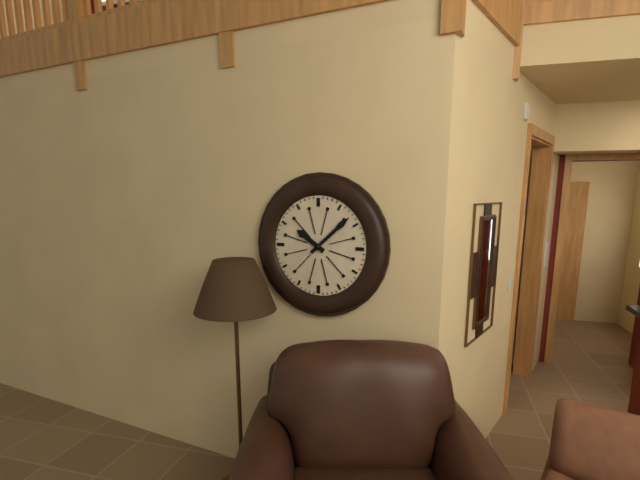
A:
10,08
